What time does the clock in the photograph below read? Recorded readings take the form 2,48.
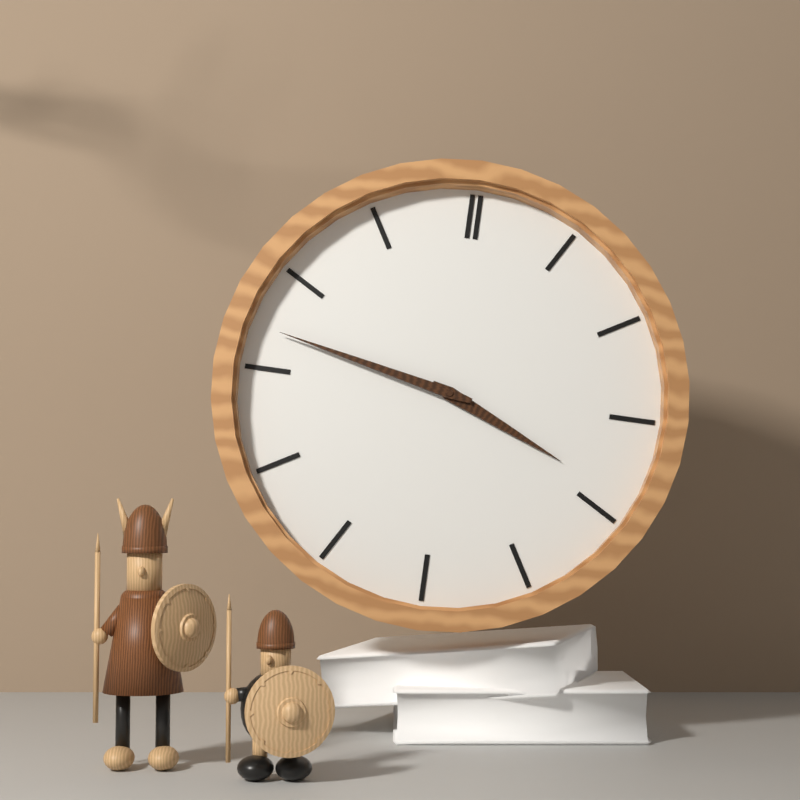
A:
3,47
